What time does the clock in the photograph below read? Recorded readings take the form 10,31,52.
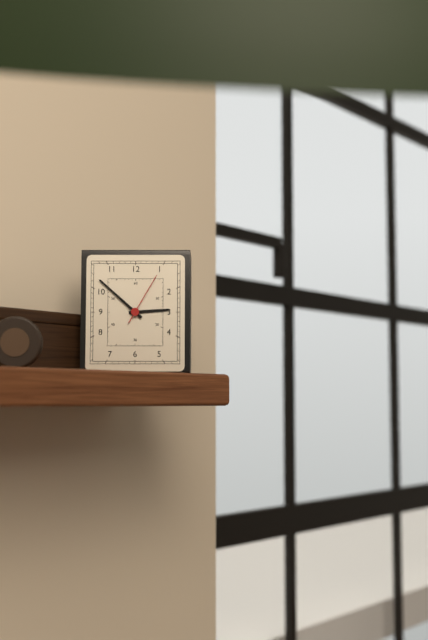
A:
2,52,05
